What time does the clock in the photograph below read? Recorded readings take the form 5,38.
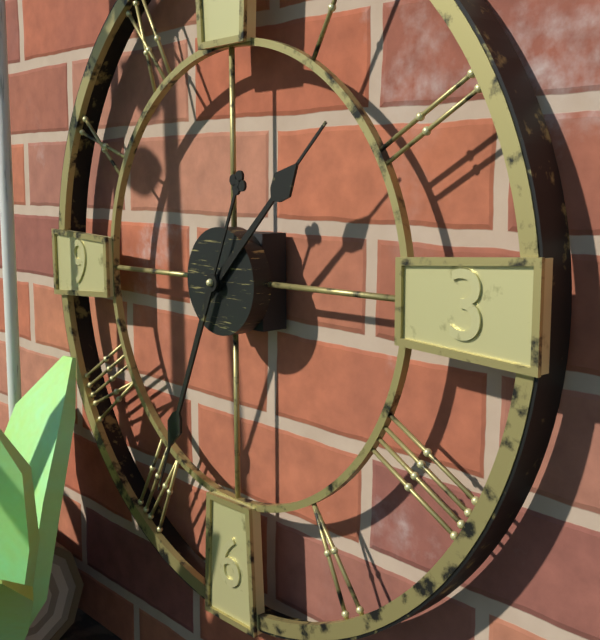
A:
1,34
